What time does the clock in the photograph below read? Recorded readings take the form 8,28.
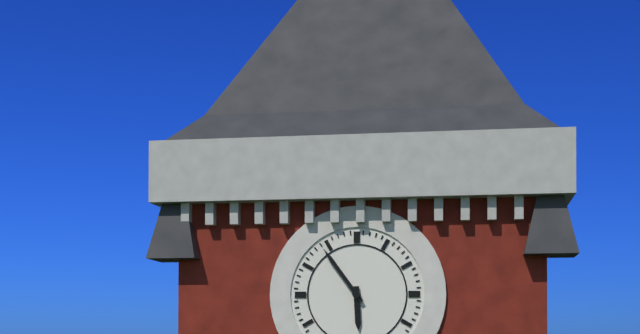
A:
5,54
